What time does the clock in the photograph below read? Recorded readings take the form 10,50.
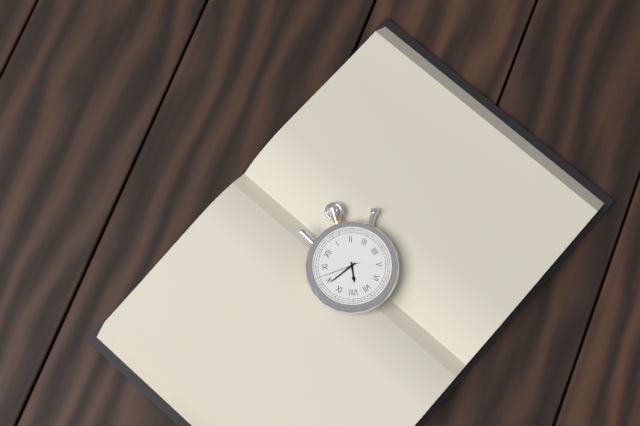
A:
7,49
